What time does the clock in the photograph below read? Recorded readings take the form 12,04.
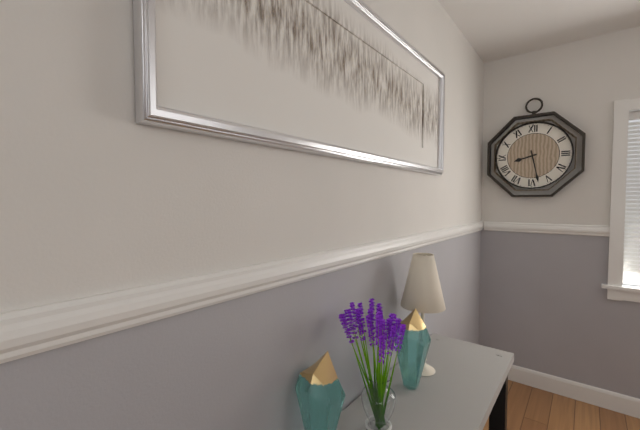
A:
8,28
